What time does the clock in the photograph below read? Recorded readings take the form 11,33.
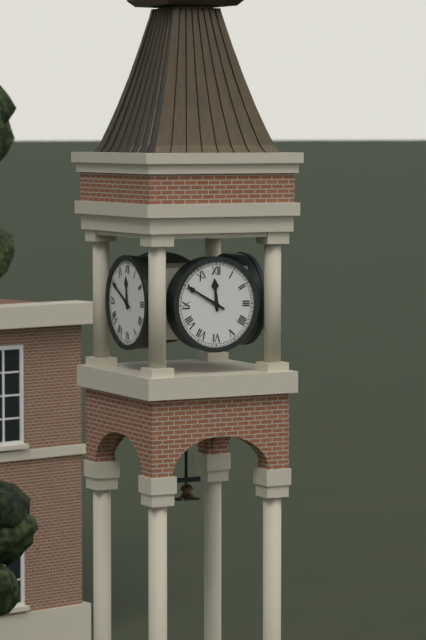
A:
11,50
